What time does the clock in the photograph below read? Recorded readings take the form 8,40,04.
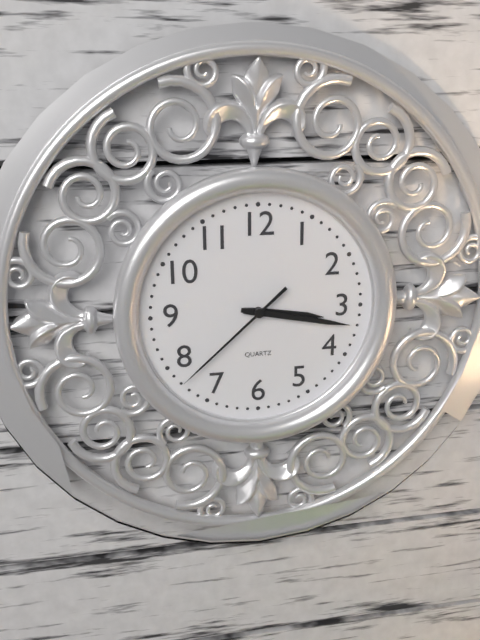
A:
3,17,38
